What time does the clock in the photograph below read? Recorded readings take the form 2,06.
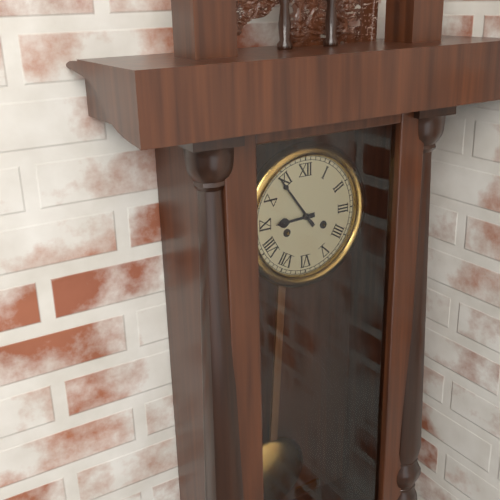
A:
8,54
